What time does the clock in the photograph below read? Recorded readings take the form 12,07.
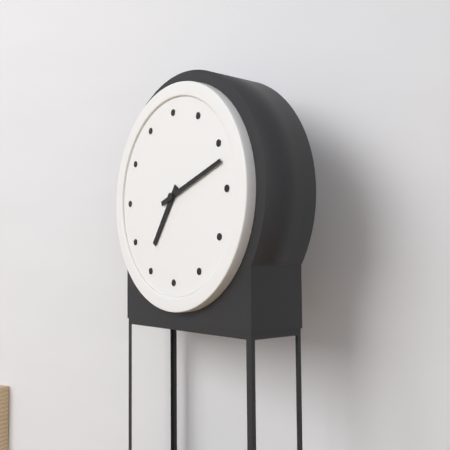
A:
7,12
